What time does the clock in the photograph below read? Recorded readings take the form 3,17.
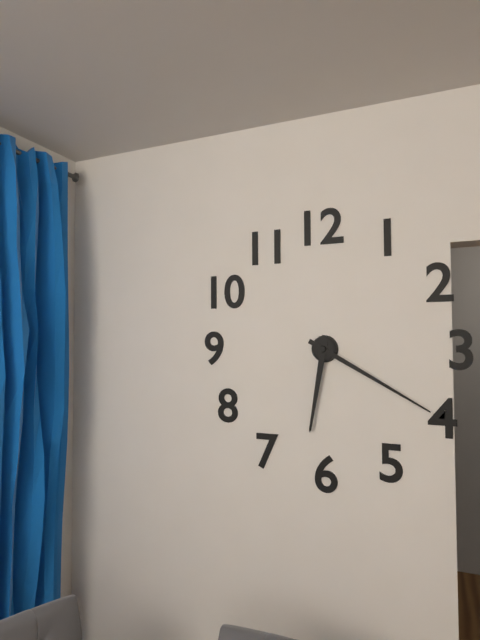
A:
6,20
